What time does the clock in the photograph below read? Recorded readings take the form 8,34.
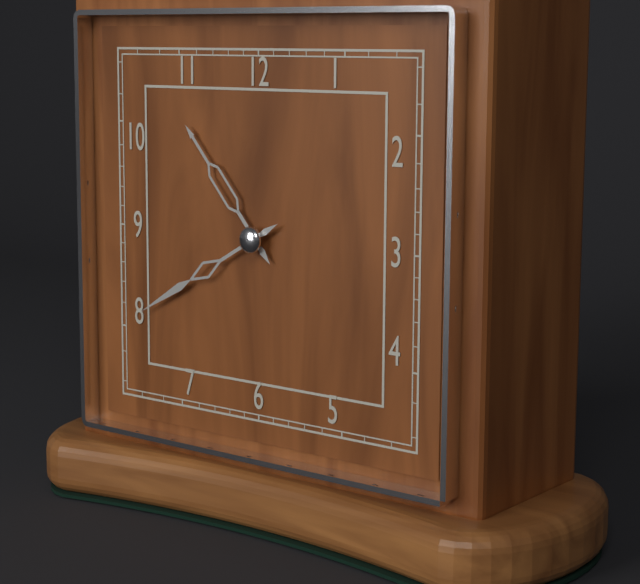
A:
10,40
